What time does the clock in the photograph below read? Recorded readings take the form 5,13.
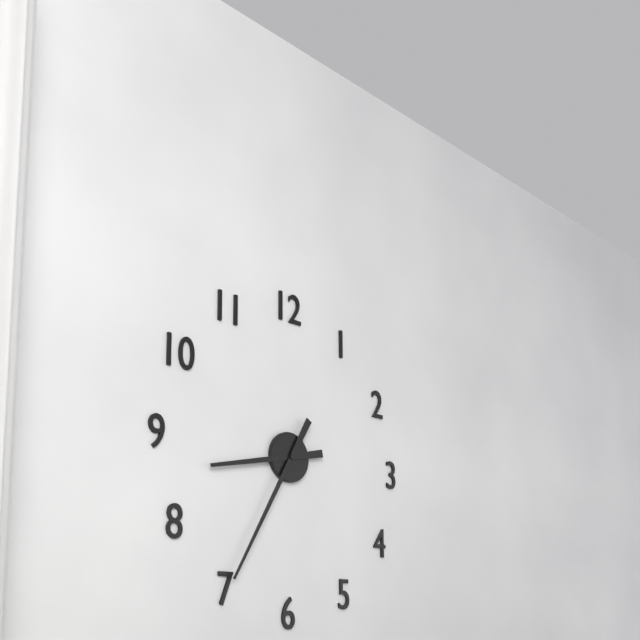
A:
8,35
